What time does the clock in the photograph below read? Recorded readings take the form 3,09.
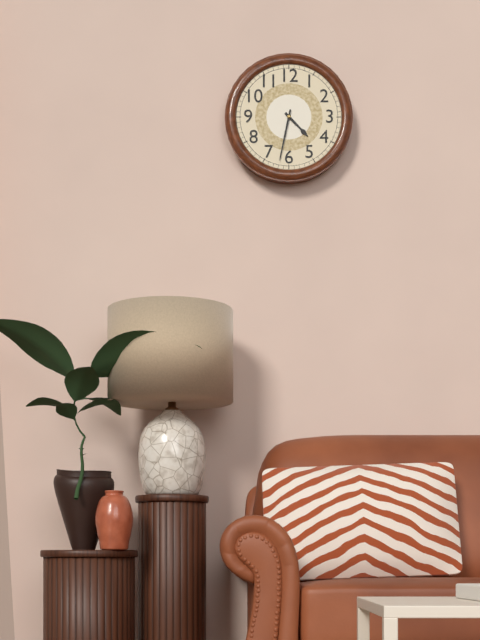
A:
4,32
